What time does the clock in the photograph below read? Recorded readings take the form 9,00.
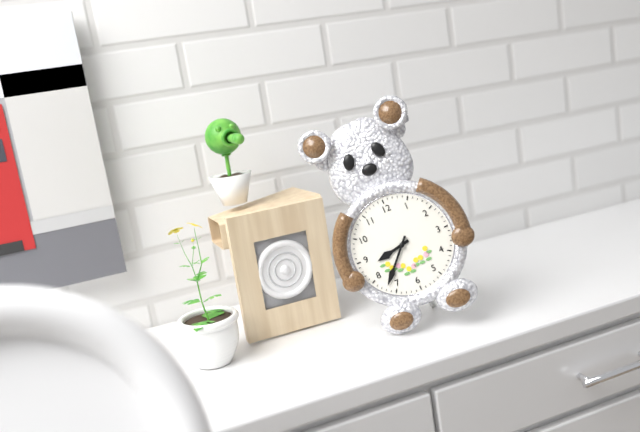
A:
8,37
